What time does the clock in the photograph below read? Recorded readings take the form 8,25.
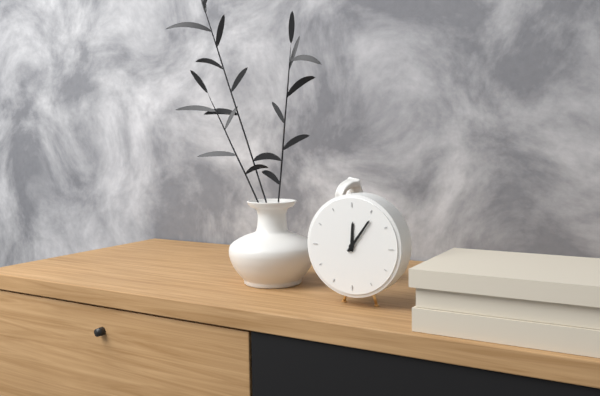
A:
12,06
